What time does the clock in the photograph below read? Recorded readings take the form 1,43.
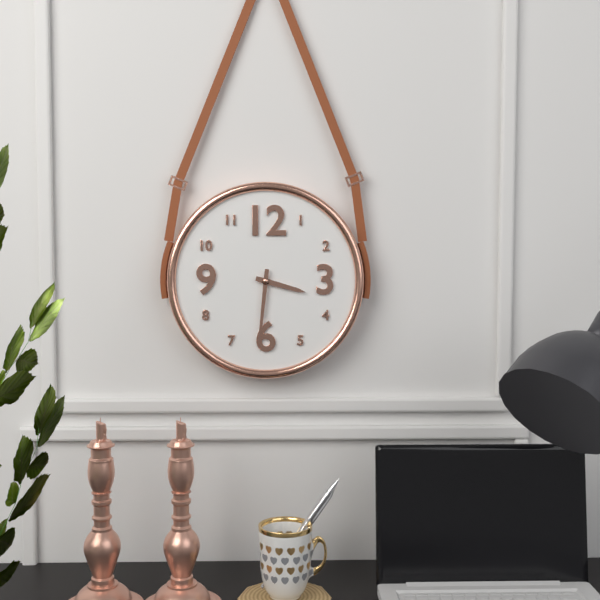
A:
3,31
